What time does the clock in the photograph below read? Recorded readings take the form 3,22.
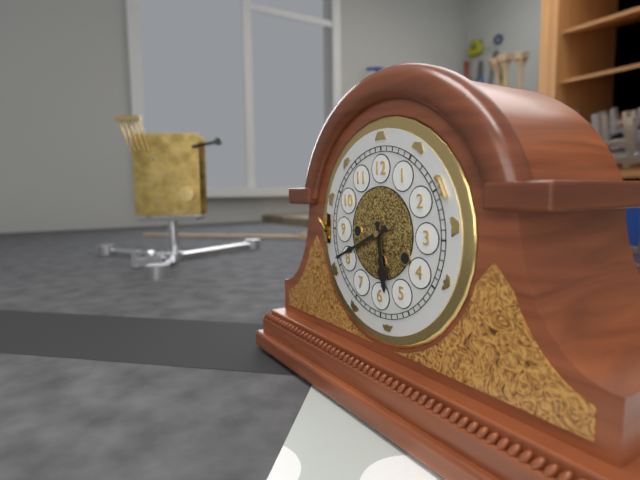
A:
5,41
